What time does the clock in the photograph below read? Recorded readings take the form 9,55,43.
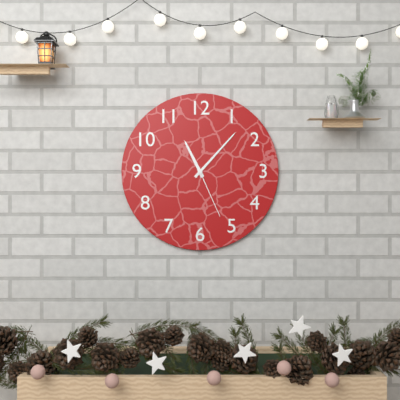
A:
11,07,26
